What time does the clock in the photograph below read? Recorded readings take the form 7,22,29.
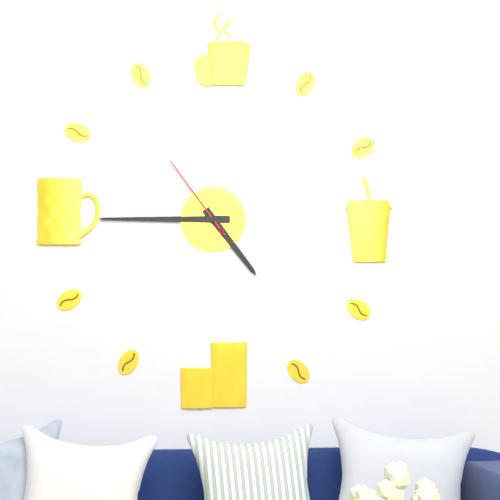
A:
4,45,54
